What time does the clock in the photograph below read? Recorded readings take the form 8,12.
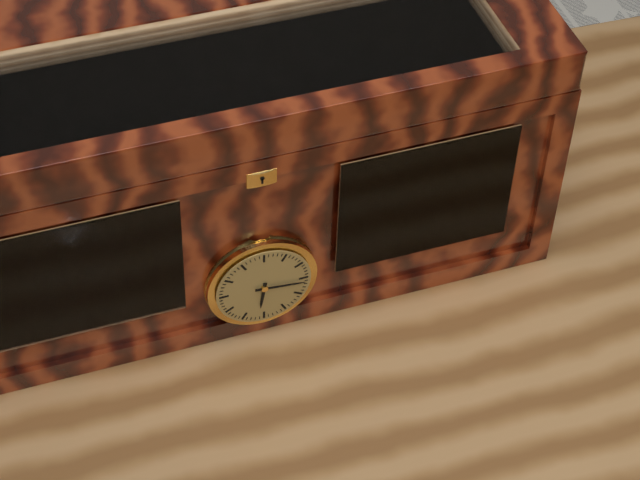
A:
6,16
